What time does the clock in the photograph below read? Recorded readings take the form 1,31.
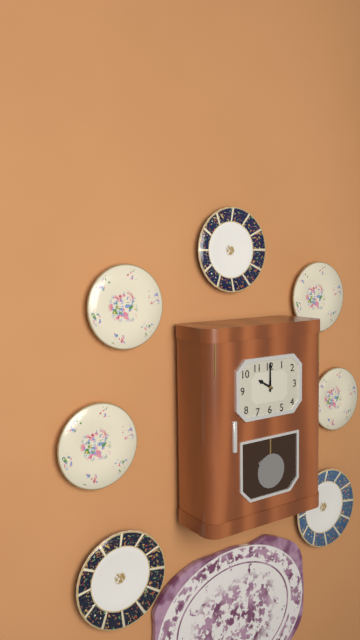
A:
10,00
